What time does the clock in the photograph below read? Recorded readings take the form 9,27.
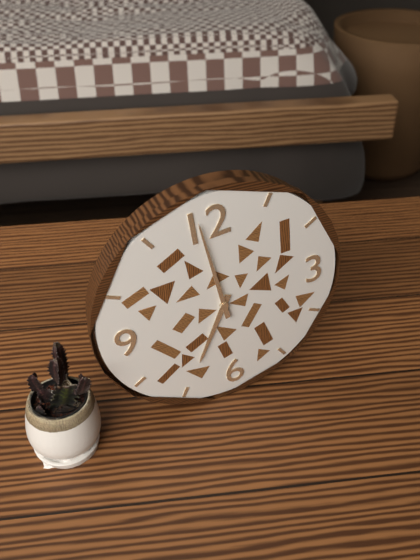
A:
6,59
